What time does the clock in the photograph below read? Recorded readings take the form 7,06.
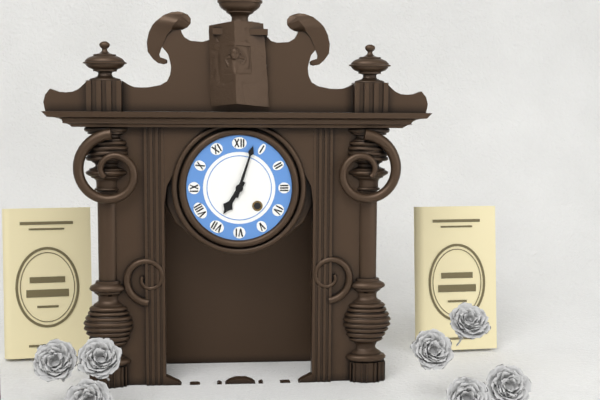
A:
7,03
